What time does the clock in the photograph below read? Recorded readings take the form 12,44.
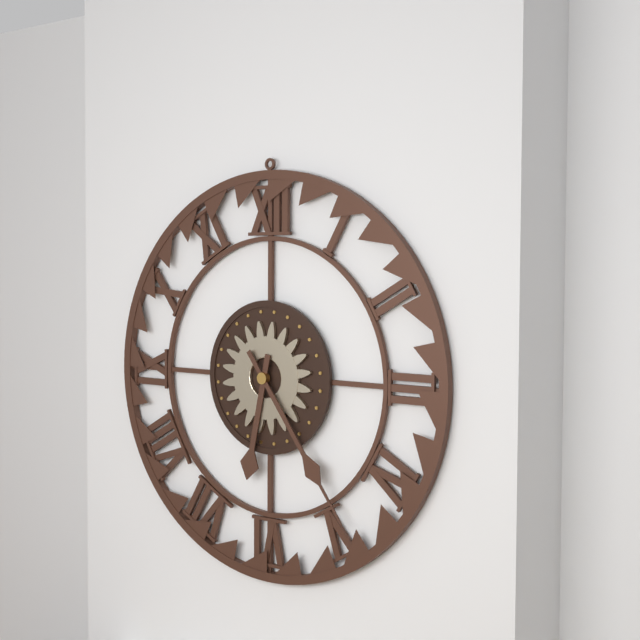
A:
6,24
